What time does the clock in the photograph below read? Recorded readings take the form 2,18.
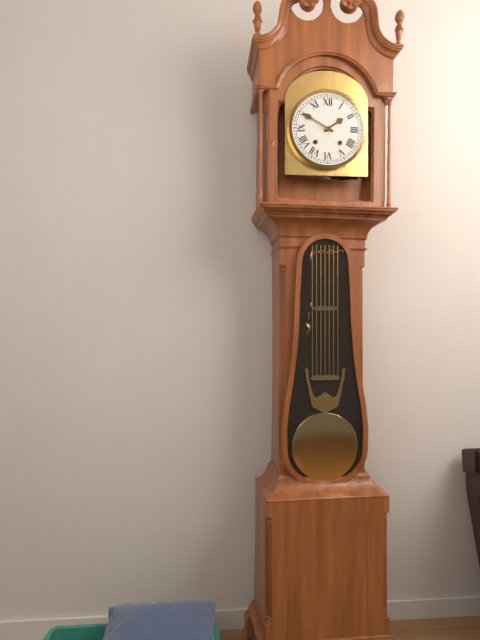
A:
1,50
